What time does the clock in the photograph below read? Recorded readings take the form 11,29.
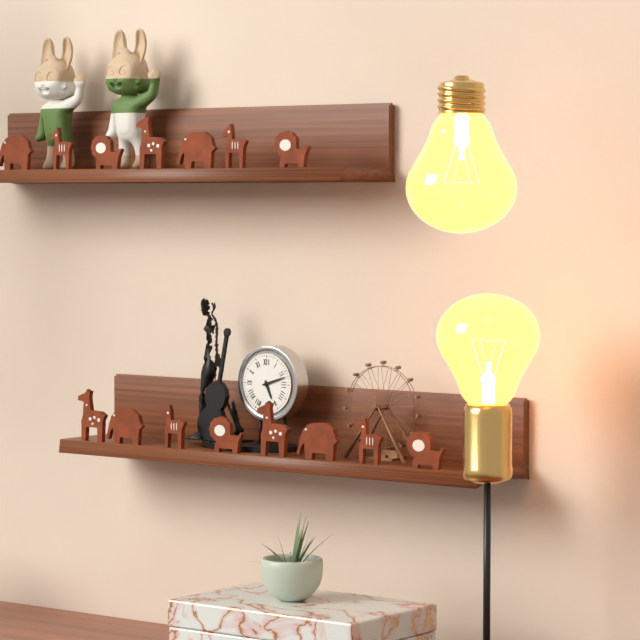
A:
5,12
